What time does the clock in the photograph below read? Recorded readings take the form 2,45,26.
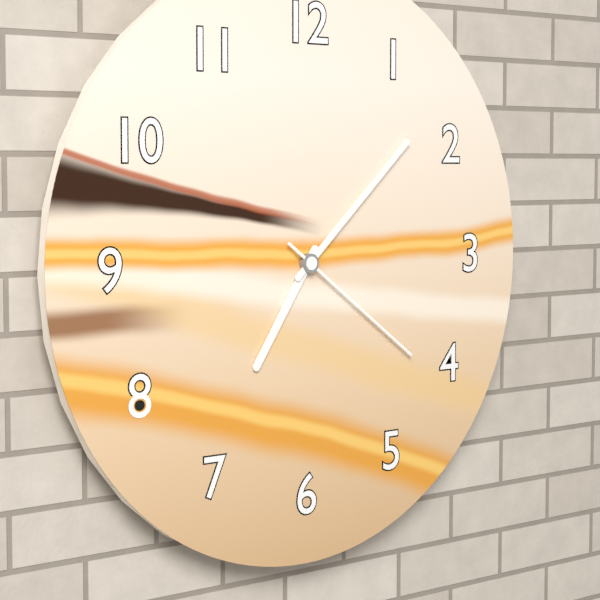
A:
7,08,21
